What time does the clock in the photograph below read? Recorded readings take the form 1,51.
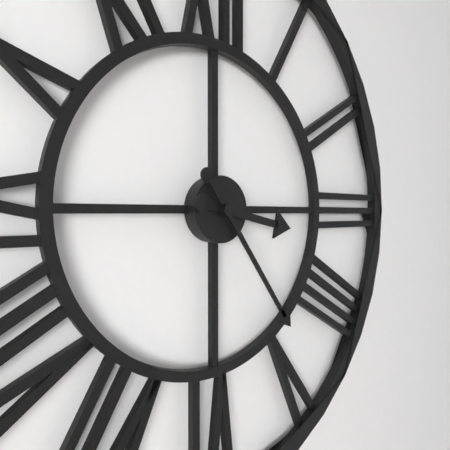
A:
3,24
